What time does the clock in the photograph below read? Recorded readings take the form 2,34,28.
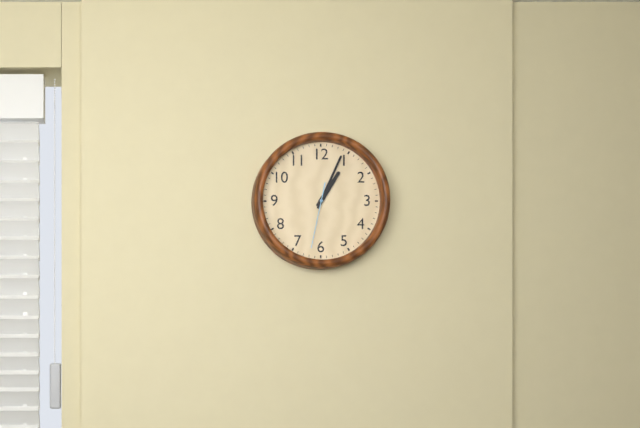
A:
1,04,32
